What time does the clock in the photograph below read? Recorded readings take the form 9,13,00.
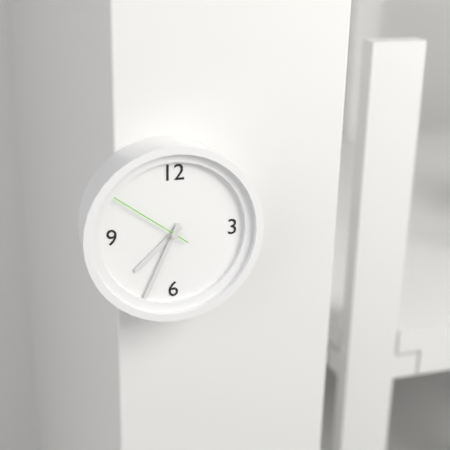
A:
7,34,51
